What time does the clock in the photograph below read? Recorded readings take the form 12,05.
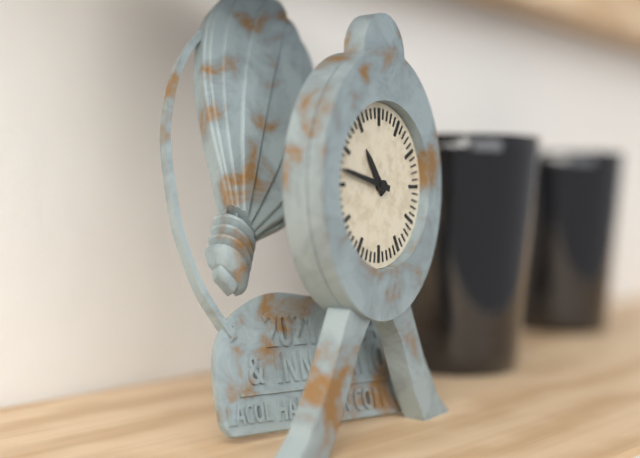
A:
10,47
